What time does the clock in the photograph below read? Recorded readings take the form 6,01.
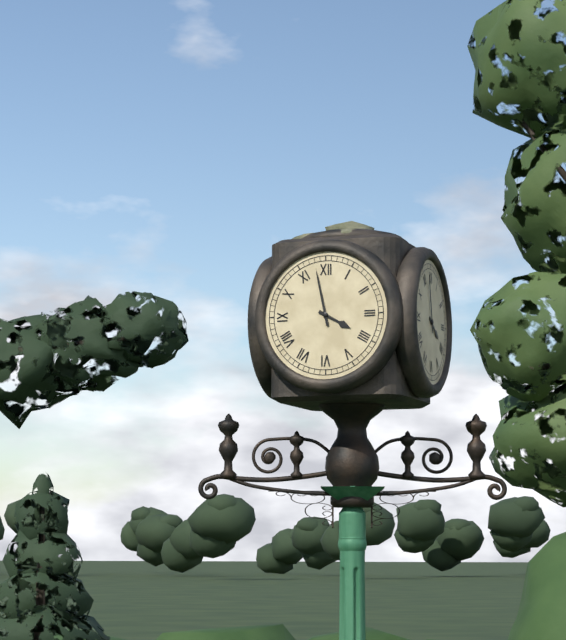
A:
3,58
